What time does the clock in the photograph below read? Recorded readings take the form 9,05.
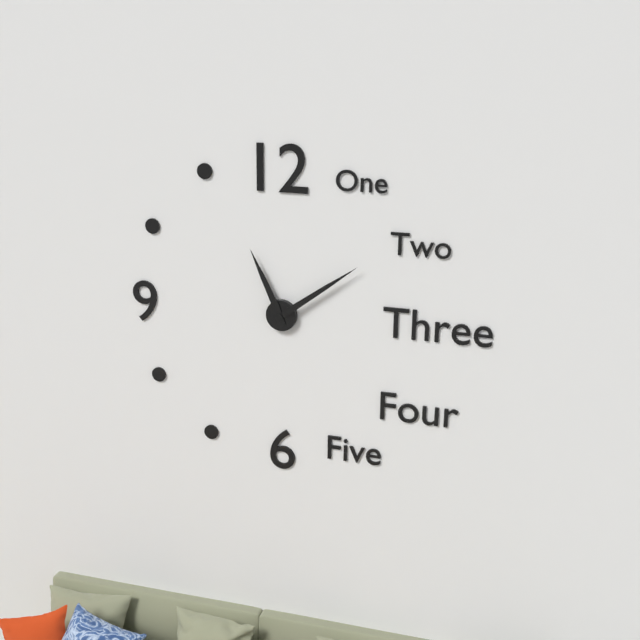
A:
11,09
